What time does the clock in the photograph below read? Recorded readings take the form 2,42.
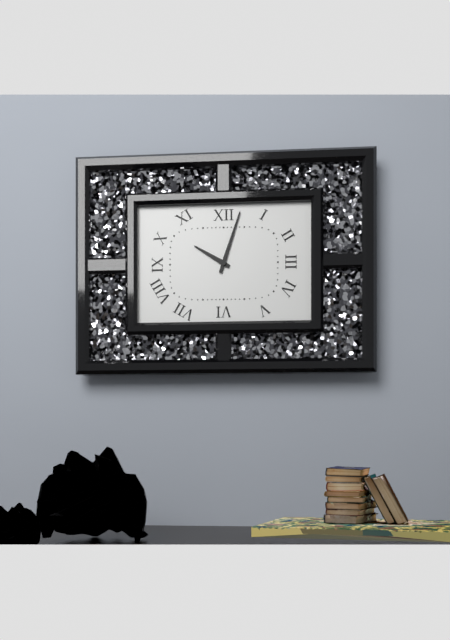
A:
10,03
